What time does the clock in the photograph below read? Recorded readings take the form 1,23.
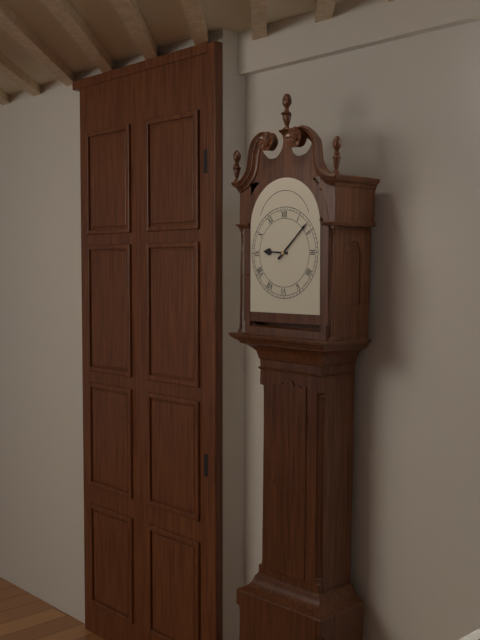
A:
9,08
